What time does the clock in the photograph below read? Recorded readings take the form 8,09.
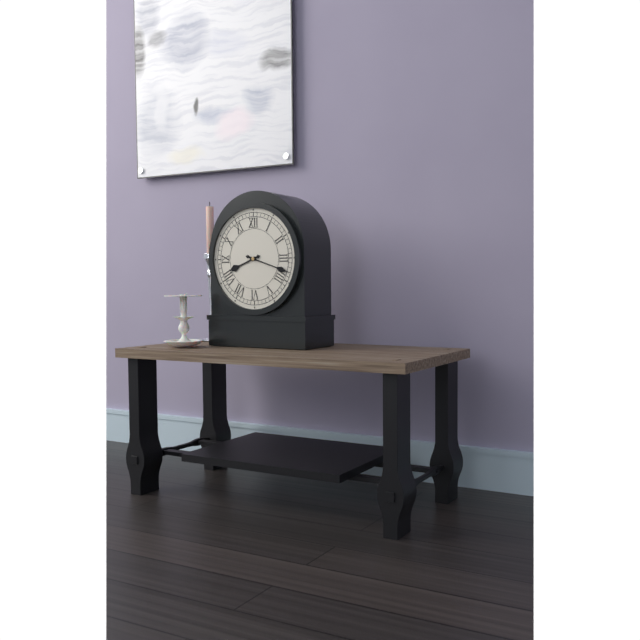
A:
8,18
